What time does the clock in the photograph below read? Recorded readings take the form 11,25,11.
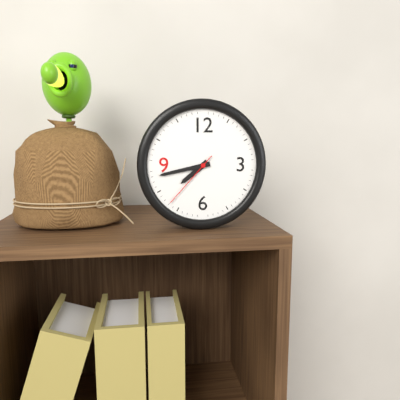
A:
7,43,37
